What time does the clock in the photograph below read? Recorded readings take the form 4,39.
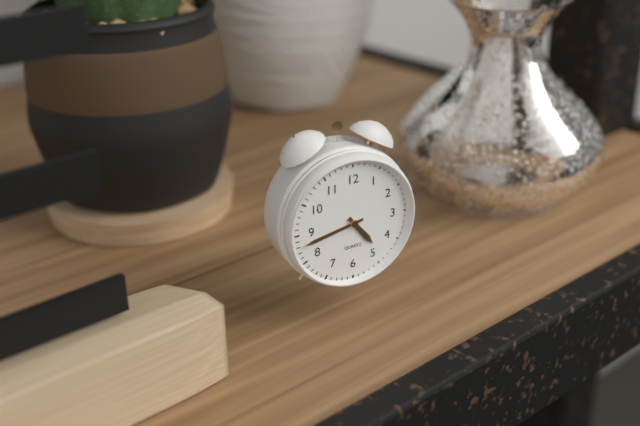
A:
4,43
